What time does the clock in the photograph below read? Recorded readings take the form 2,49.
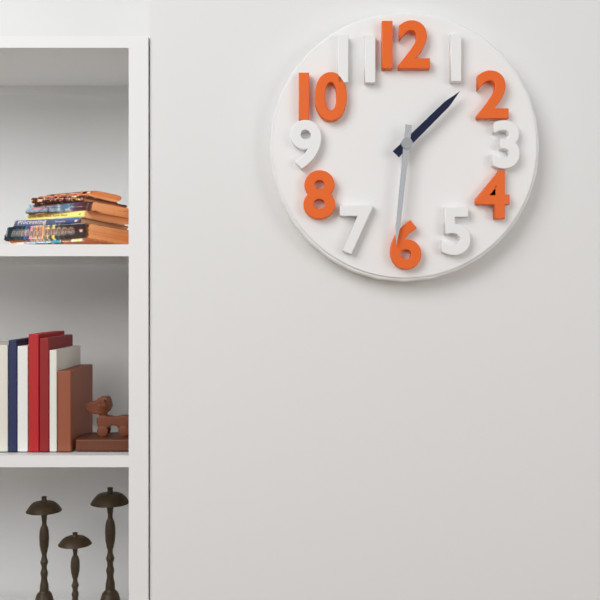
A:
1,31
